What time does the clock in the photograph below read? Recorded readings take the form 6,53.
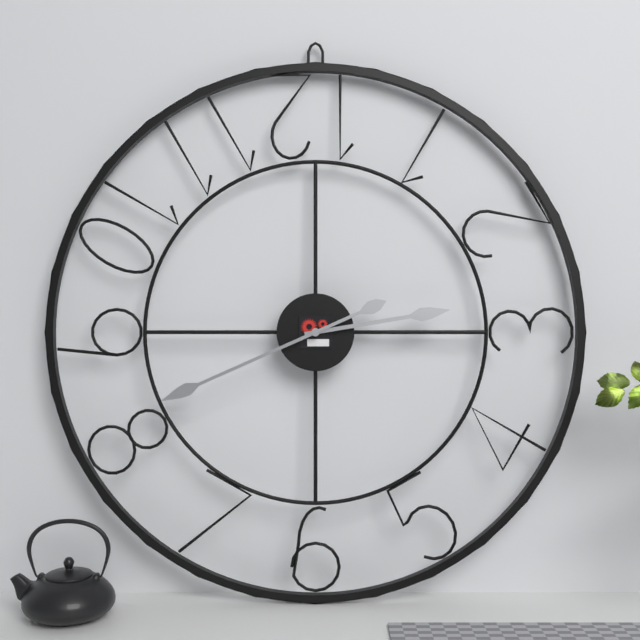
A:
2,41
